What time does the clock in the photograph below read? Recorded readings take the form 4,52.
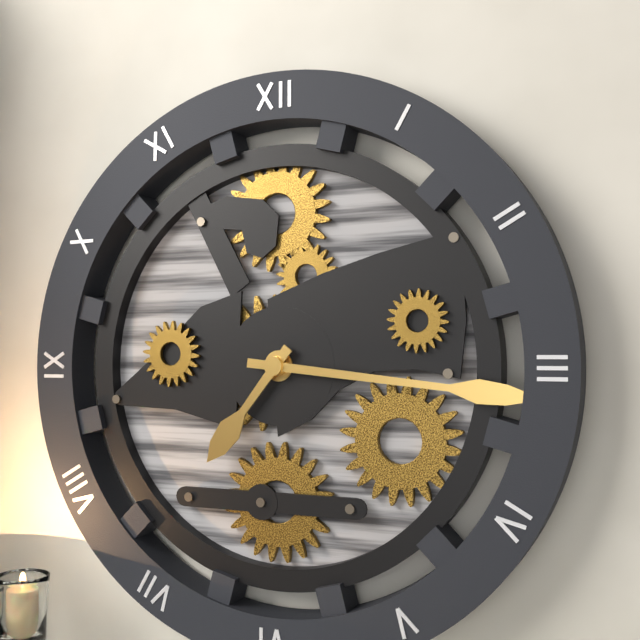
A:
7,16
